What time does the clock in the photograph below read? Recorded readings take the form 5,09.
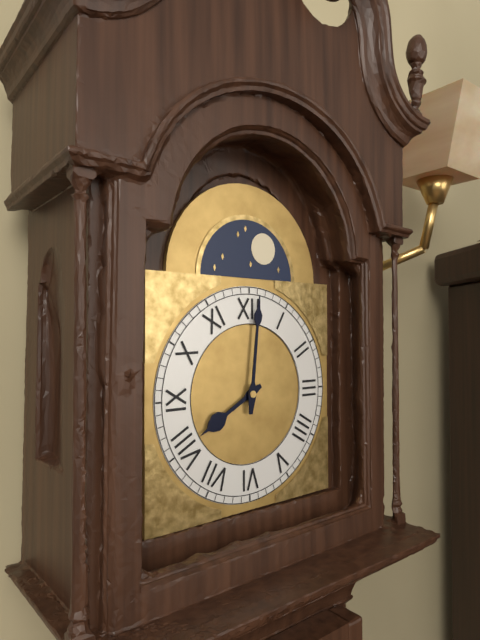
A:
8,01
